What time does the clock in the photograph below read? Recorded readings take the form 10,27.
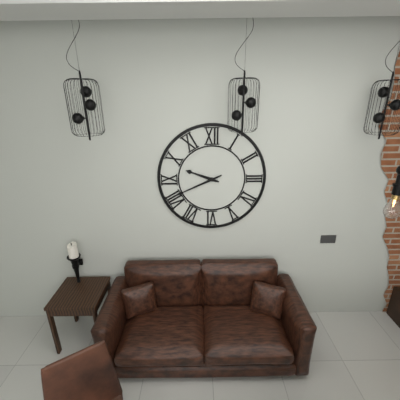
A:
9,41
